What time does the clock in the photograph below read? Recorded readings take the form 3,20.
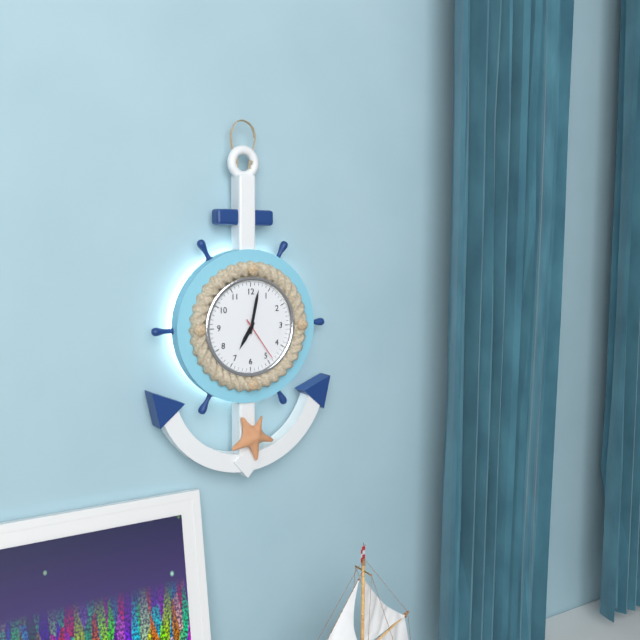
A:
7,02
